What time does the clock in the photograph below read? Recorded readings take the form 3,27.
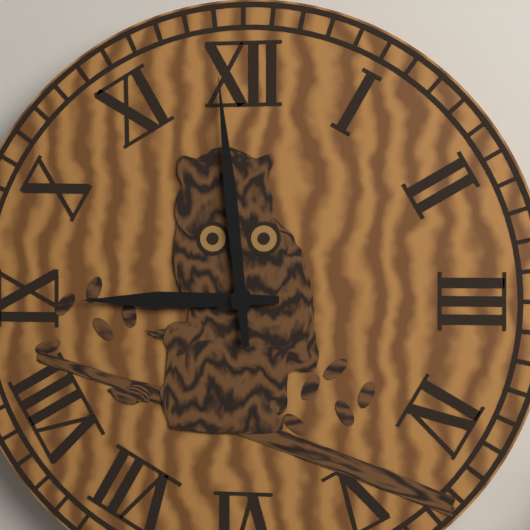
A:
8,59
